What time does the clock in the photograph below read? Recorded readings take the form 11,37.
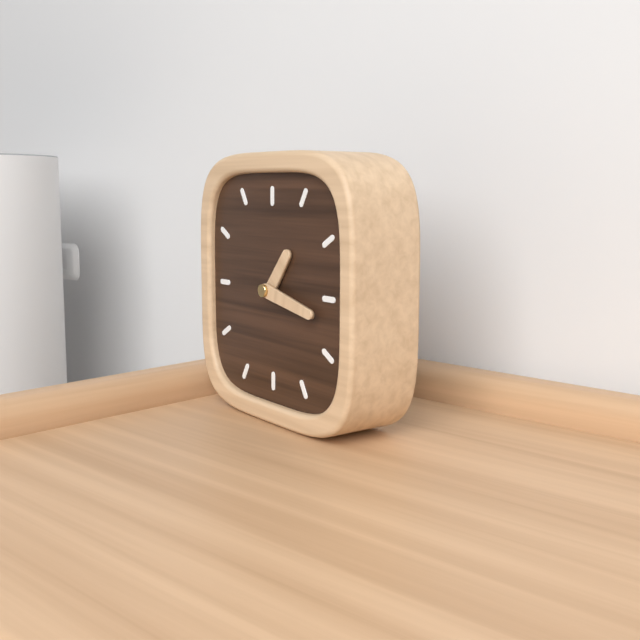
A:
1,17
